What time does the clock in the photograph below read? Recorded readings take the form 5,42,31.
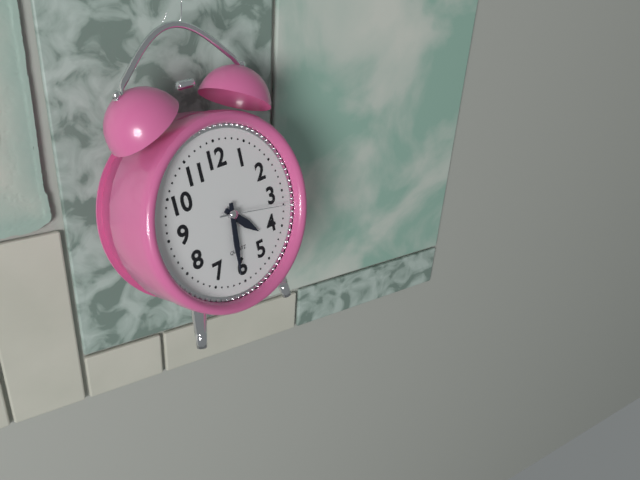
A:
4,31,17
